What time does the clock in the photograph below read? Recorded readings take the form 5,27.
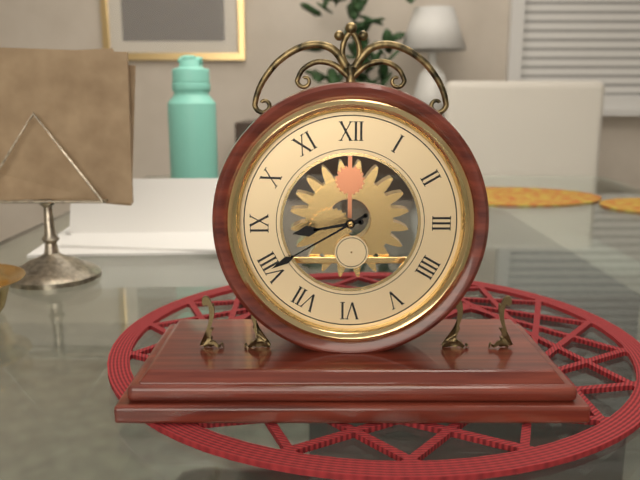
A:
8,40
